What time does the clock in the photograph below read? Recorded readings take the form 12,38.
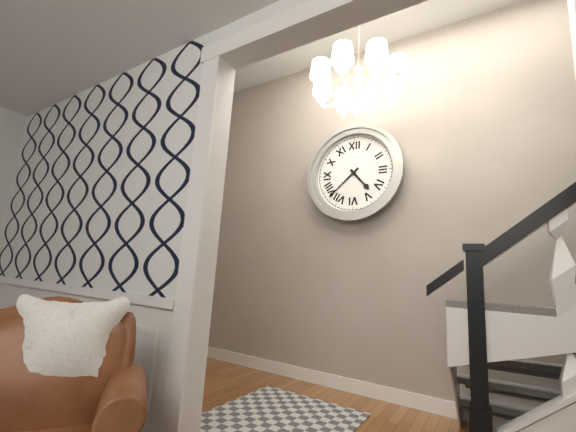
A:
4,38
